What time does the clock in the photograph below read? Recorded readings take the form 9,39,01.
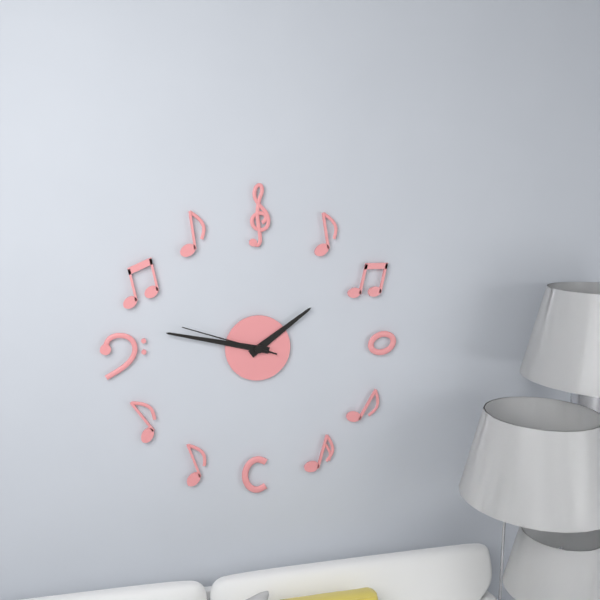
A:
1,47,48
